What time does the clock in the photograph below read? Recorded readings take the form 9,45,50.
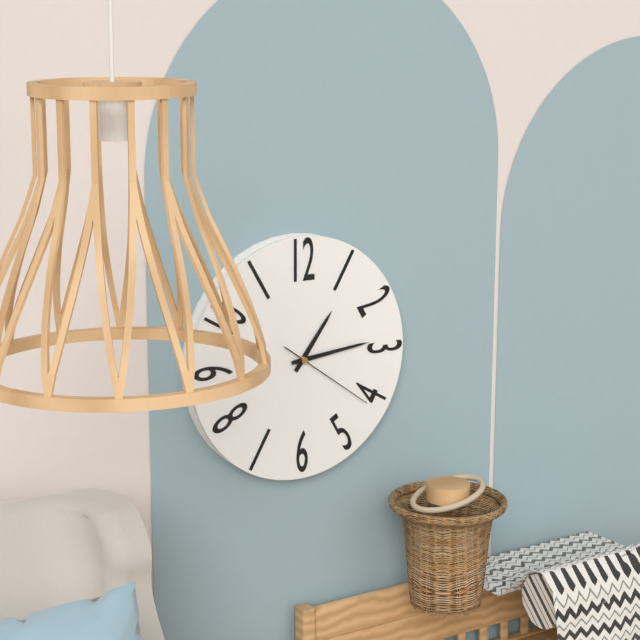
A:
1,14,21
